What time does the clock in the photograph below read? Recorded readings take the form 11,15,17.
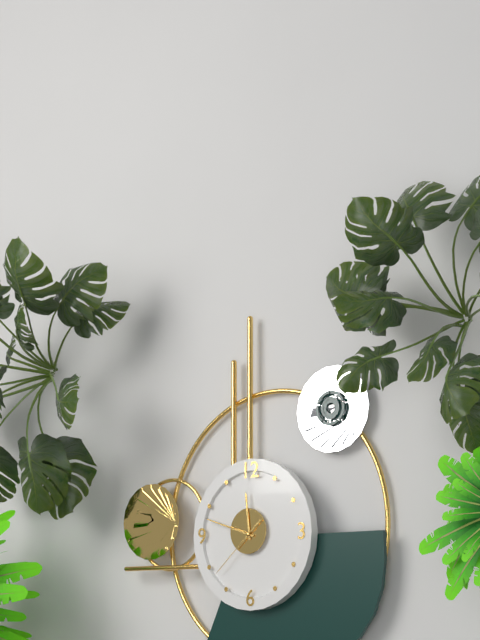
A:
11,48,38
